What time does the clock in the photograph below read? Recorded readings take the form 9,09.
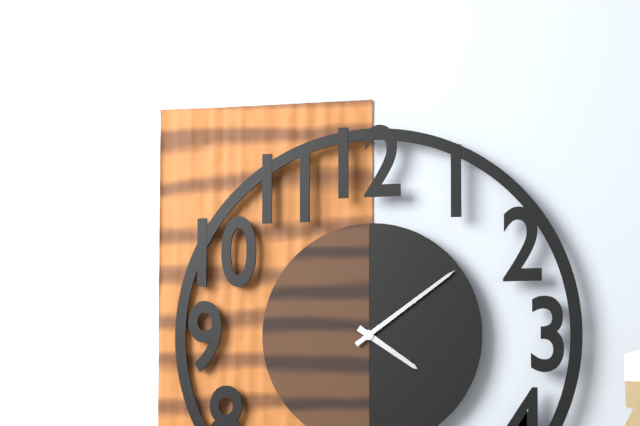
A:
4,09
